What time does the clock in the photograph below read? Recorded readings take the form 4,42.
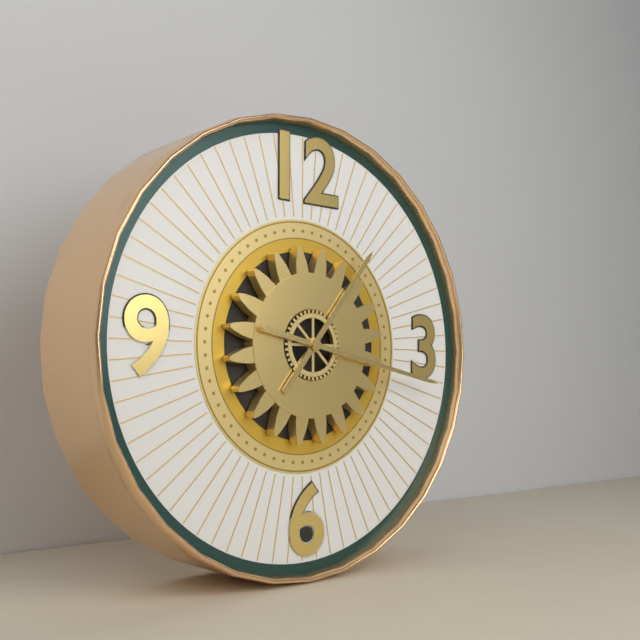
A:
1,17
